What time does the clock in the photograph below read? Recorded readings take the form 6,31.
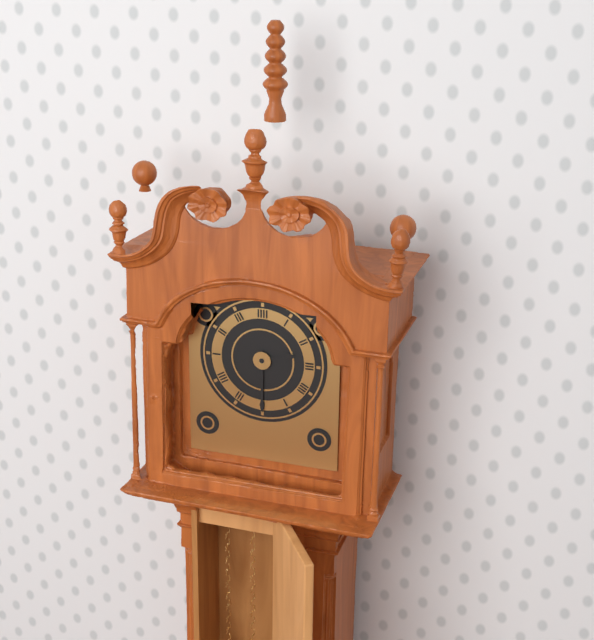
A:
2,30
